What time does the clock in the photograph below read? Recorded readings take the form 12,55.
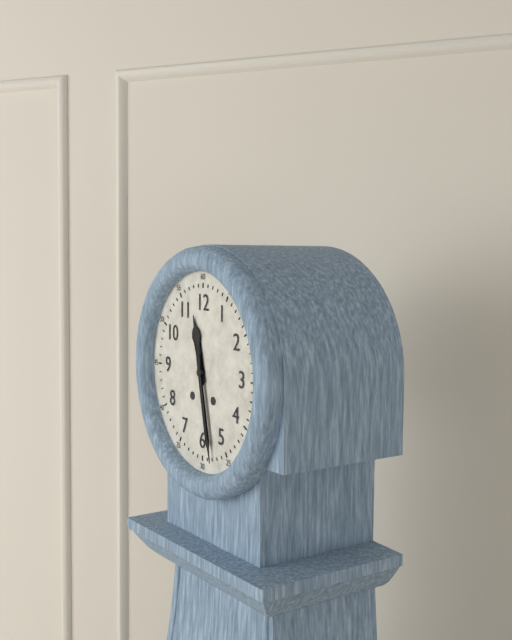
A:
11,28
